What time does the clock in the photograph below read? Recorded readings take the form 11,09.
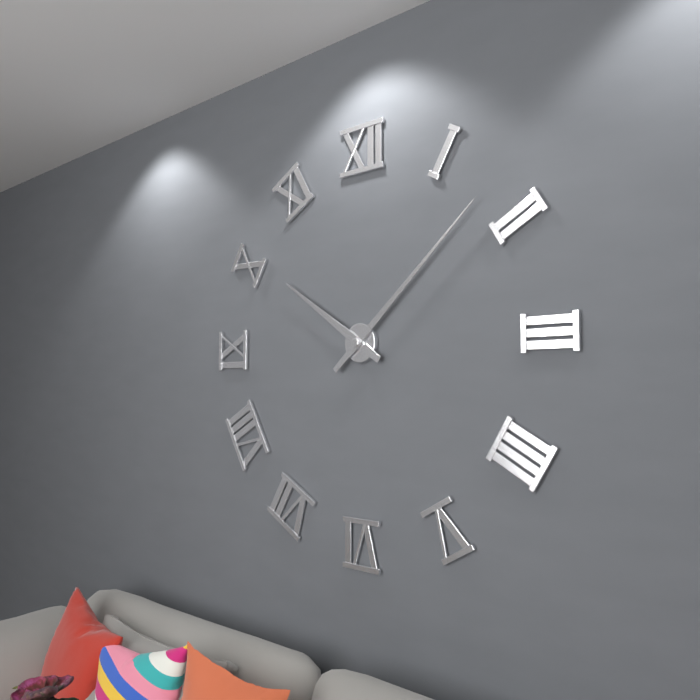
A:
10,08
